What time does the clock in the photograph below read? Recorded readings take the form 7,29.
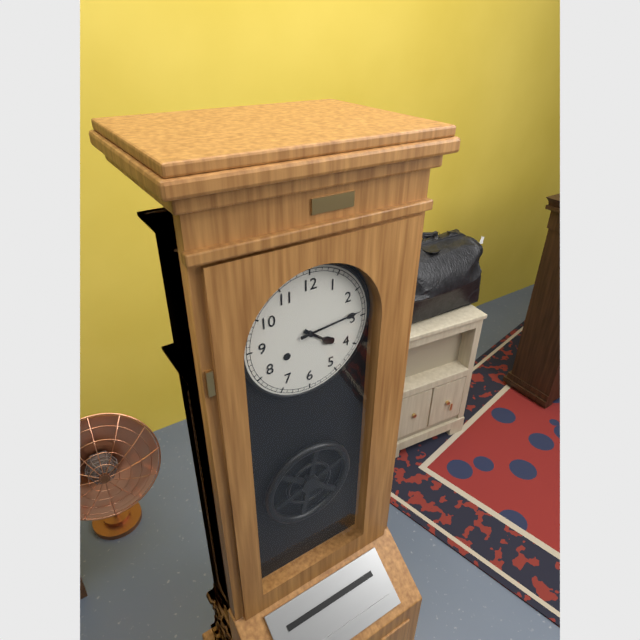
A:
4,14
